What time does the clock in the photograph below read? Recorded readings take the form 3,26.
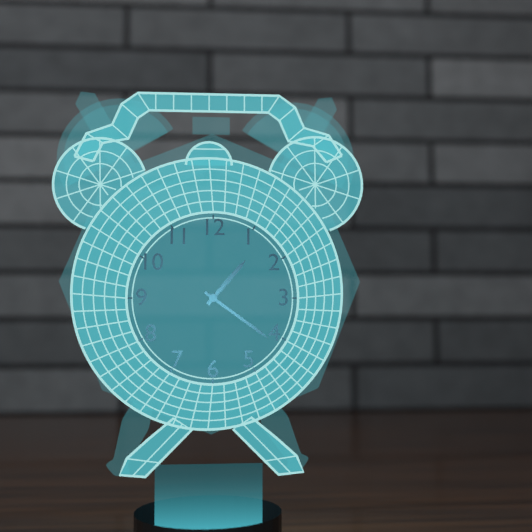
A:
1,21
